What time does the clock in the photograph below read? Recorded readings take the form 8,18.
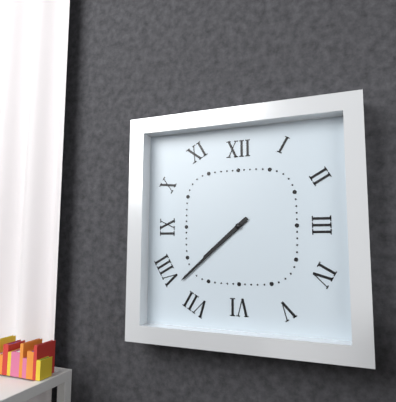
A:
7,38
